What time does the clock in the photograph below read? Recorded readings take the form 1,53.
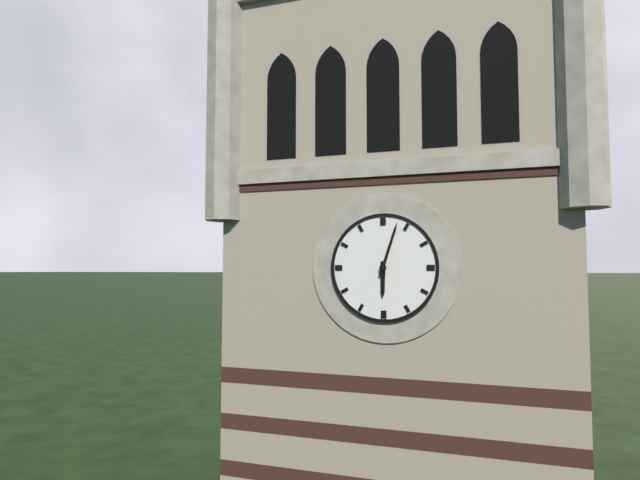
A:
6,03
